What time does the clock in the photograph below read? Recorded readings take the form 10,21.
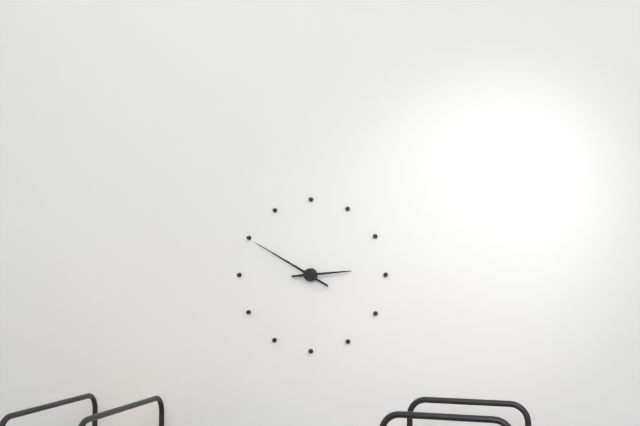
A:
2,50
